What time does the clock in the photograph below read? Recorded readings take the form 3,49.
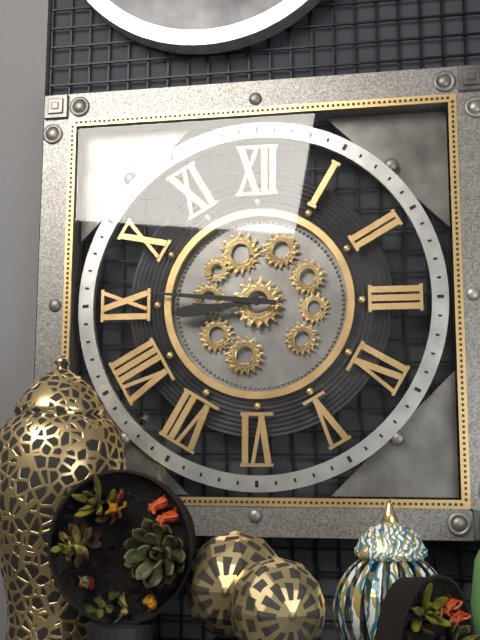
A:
8,46
